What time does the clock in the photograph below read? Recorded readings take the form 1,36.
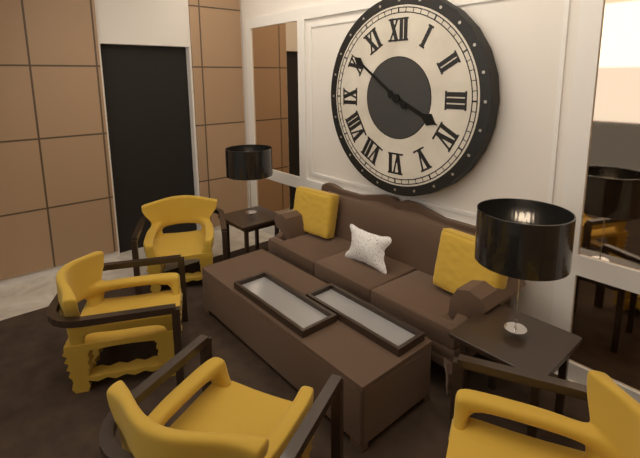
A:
3,51
